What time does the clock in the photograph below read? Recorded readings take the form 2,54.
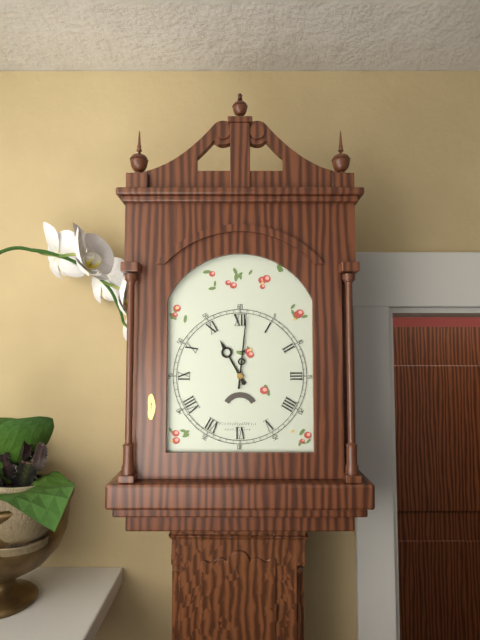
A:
11,01
